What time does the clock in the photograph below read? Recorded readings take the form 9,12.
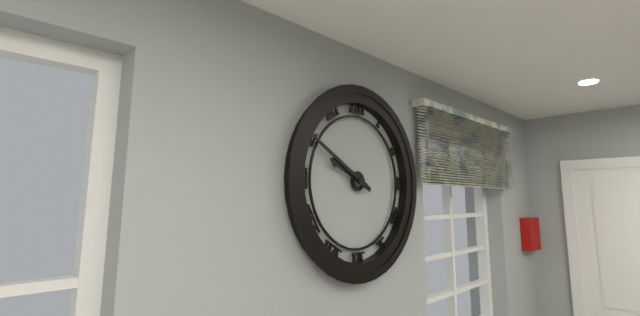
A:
9,50
